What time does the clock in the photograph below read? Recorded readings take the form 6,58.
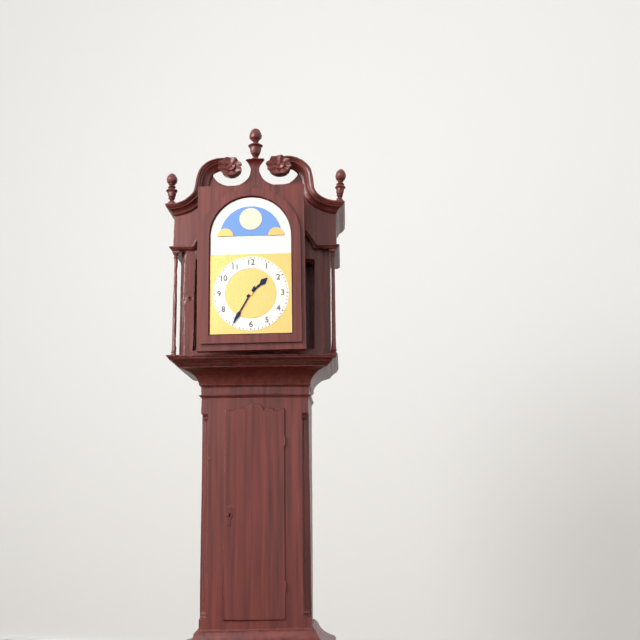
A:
1,35
